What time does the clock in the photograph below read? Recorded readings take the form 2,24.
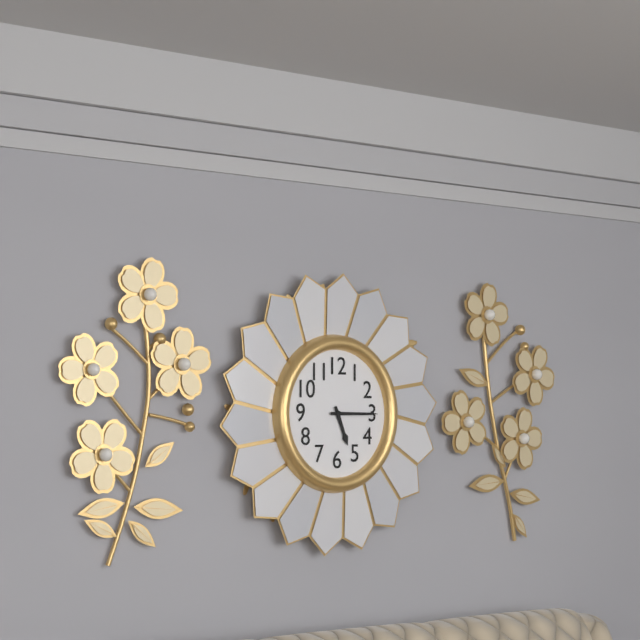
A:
5,15
